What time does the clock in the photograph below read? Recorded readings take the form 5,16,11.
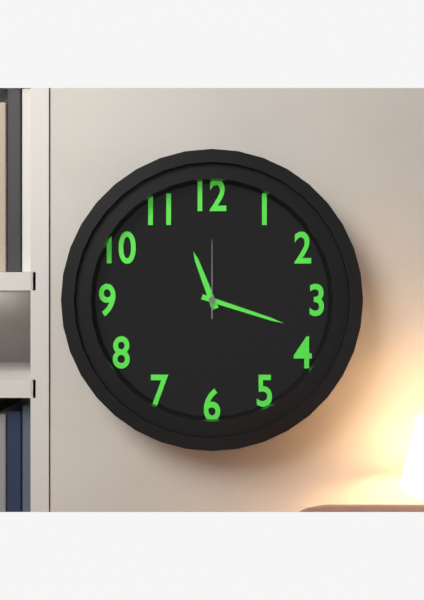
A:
11,18,00
